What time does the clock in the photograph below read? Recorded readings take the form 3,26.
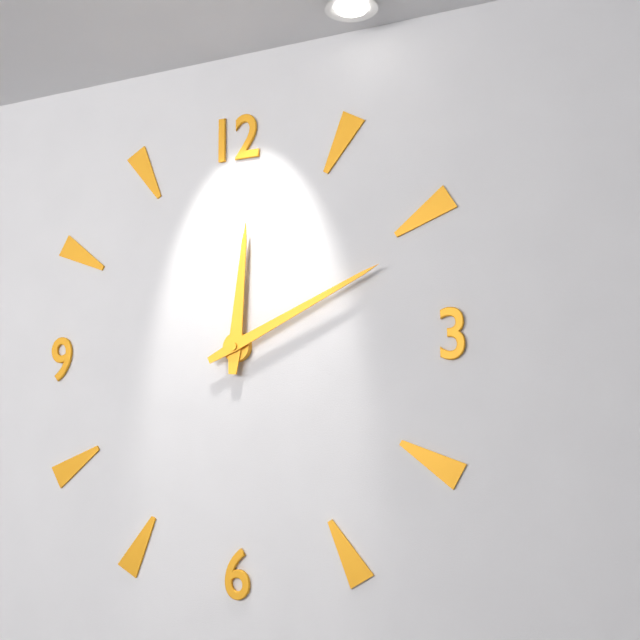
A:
12,11
